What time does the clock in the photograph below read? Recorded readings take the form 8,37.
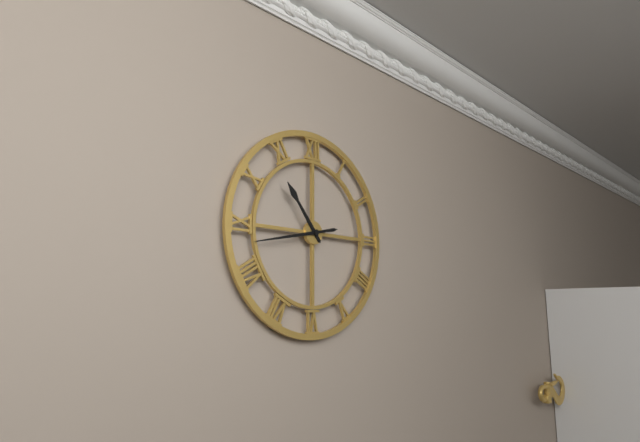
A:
10,43
